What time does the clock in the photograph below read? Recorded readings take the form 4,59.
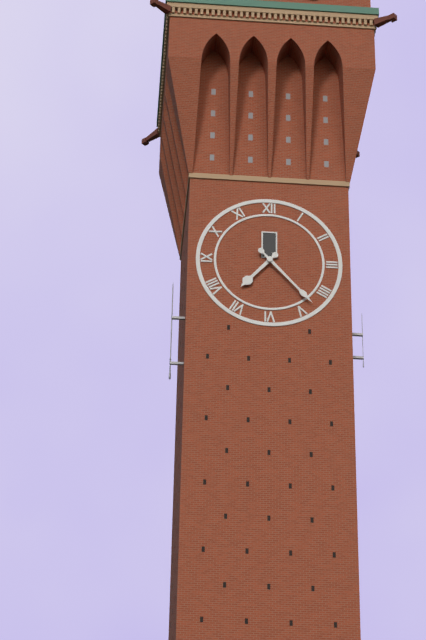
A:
7,23
